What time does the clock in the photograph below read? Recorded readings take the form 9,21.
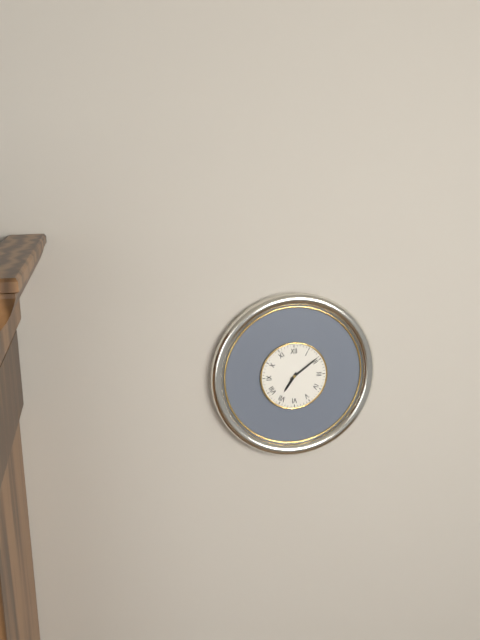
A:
7,09
